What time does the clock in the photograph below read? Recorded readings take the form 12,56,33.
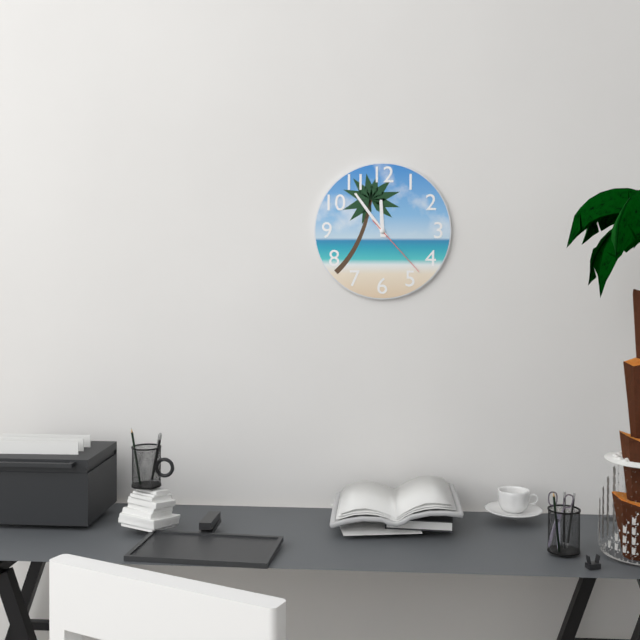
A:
11,54,23
